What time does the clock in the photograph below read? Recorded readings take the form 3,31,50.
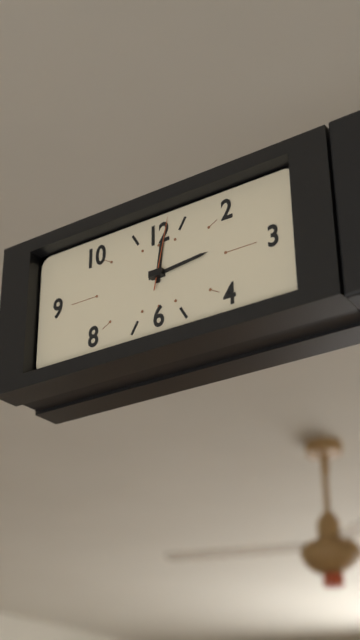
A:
12,14,02
